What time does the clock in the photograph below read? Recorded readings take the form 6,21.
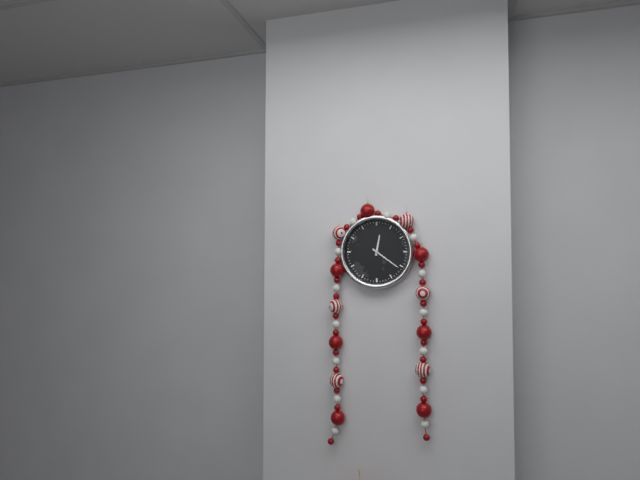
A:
12,21
